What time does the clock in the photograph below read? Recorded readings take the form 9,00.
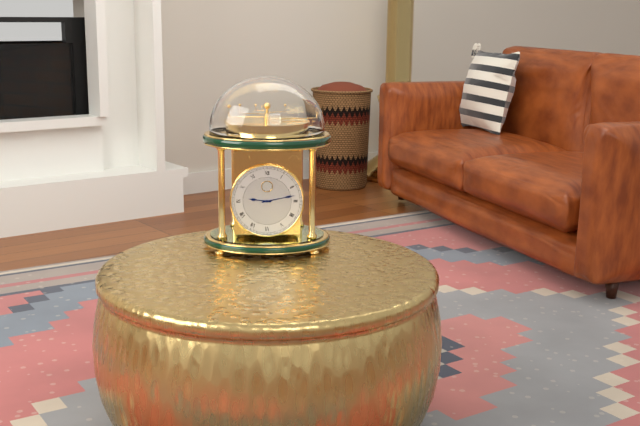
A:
9,13
